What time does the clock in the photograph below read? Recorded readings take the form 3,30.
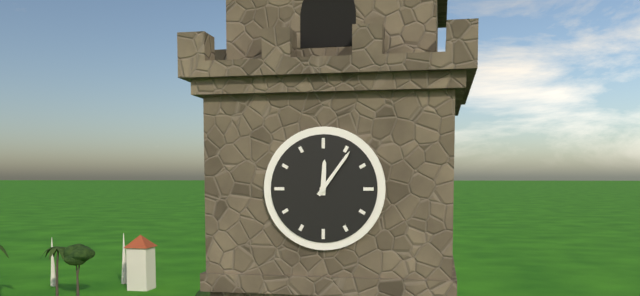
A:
12,06
